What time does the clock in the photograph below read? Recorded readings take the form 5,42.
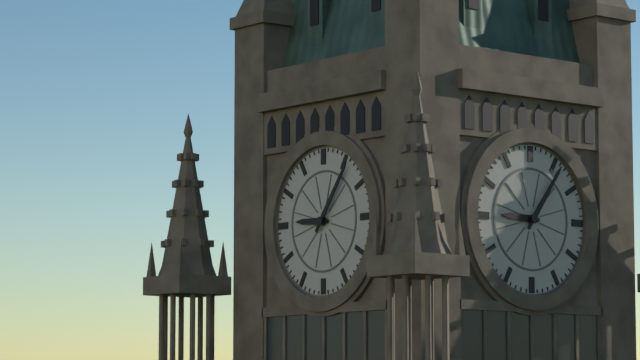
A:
9,06
